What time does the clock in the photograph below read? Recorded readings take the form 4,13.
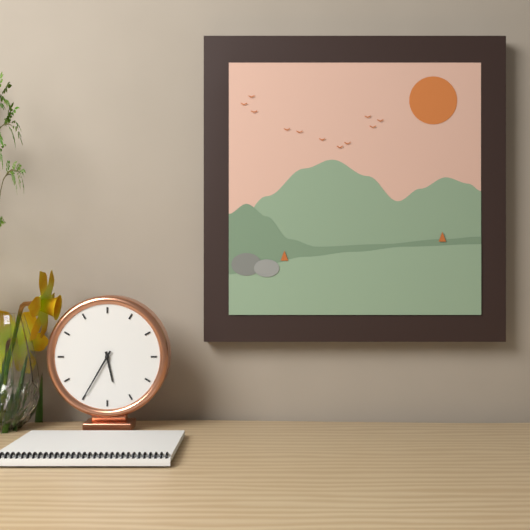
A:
5,35
